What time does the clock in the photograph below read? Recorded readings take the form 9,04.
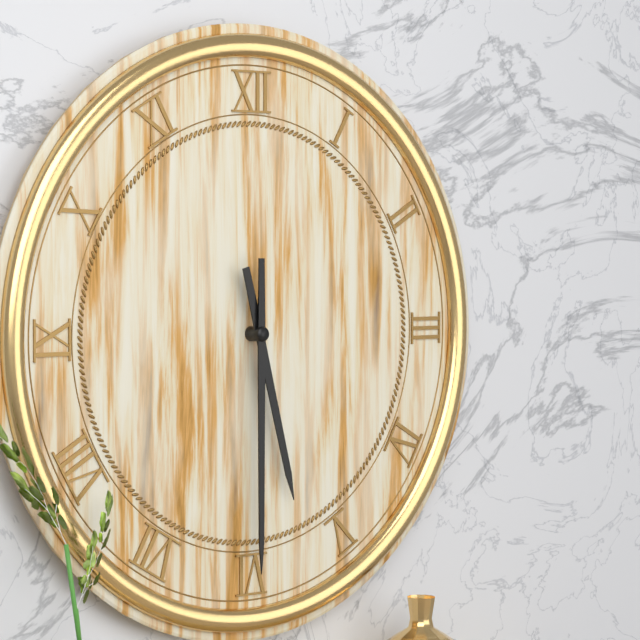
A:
5,30
